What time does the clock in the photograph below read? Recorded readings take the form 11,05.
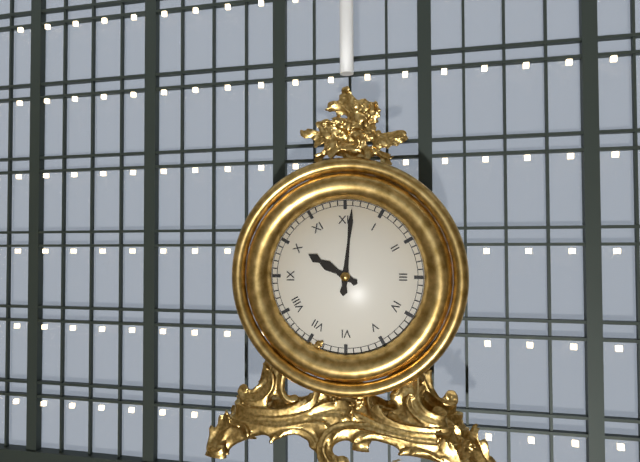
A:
10,01
